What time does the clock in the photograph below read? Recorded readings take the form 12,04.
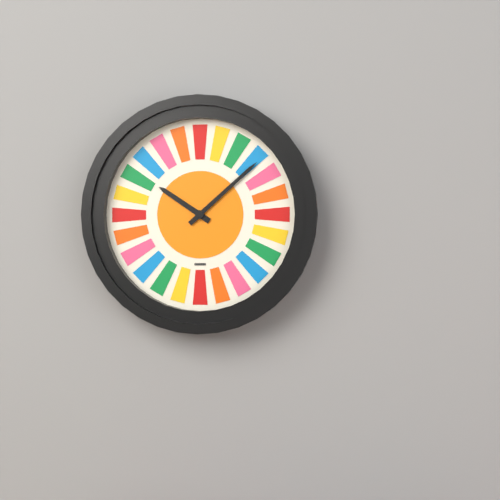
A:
10,08
